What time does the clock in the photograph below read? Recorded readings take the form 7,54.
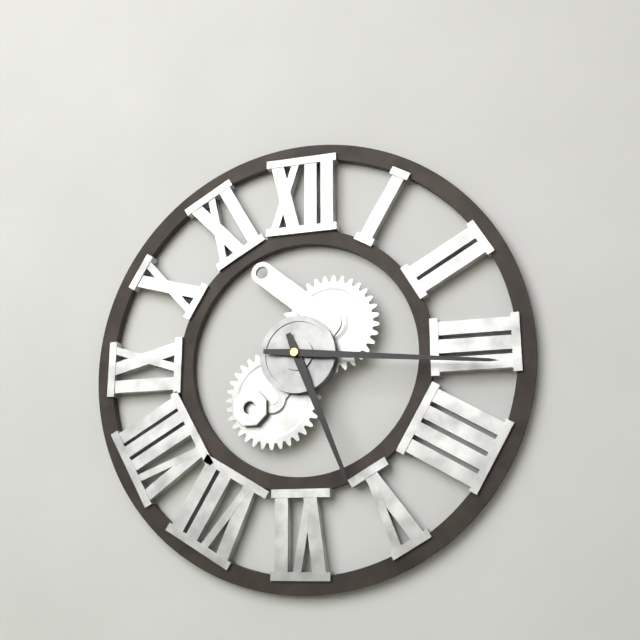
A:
5,16
